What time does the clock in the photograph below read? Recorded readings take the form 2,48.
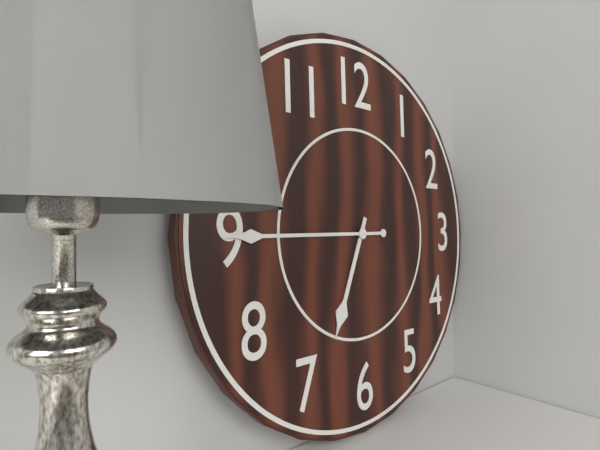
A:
6,45
